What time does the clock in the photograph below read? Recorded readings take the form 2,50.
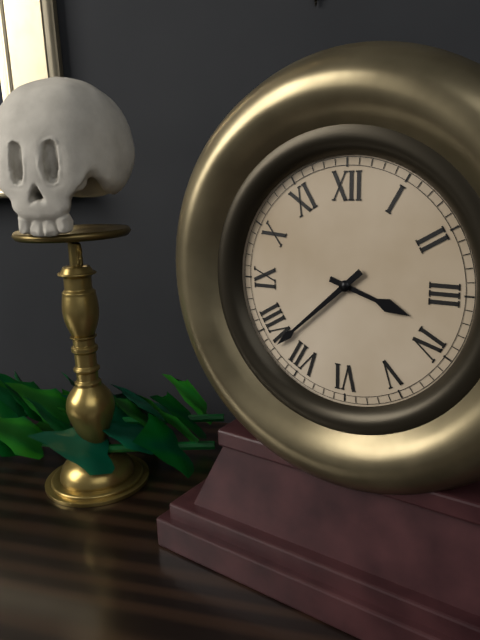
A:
3,38
